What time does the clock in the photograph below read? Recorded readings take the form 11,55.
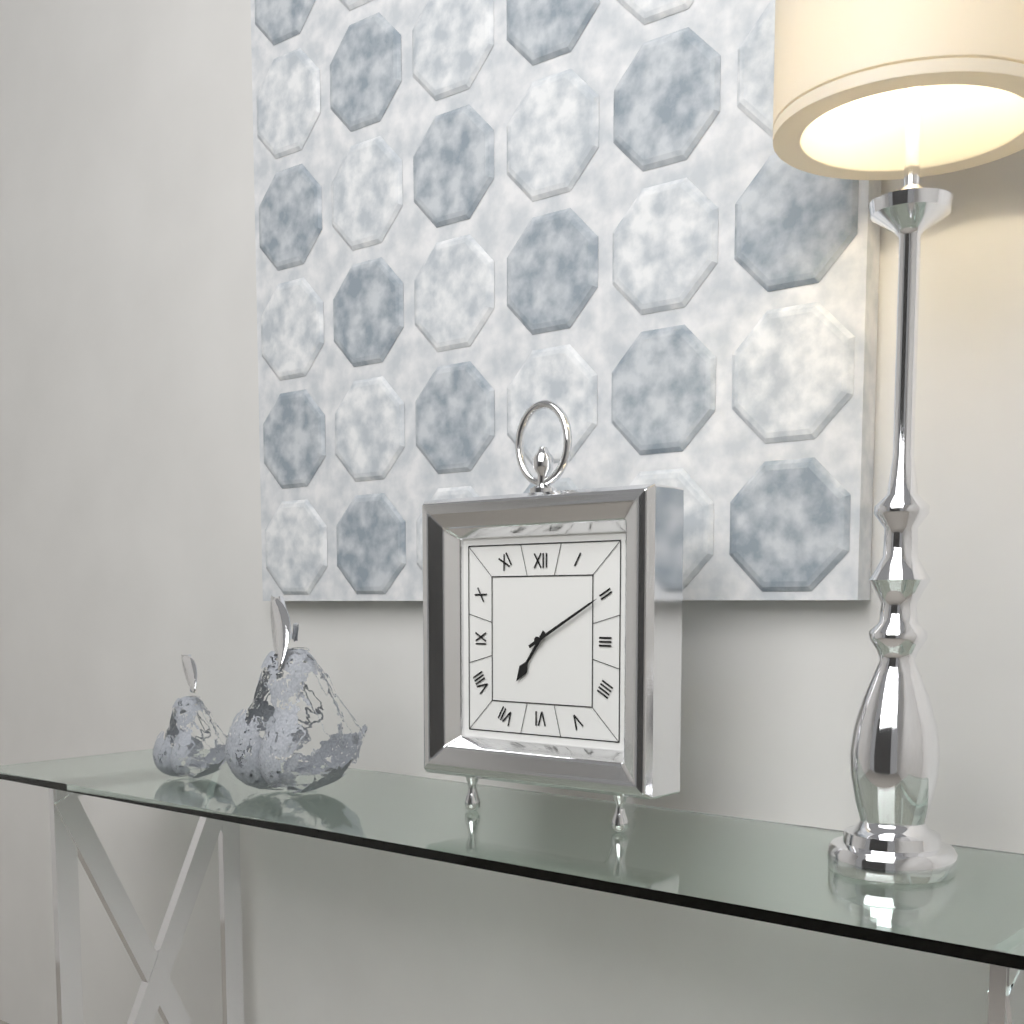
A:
7,10
